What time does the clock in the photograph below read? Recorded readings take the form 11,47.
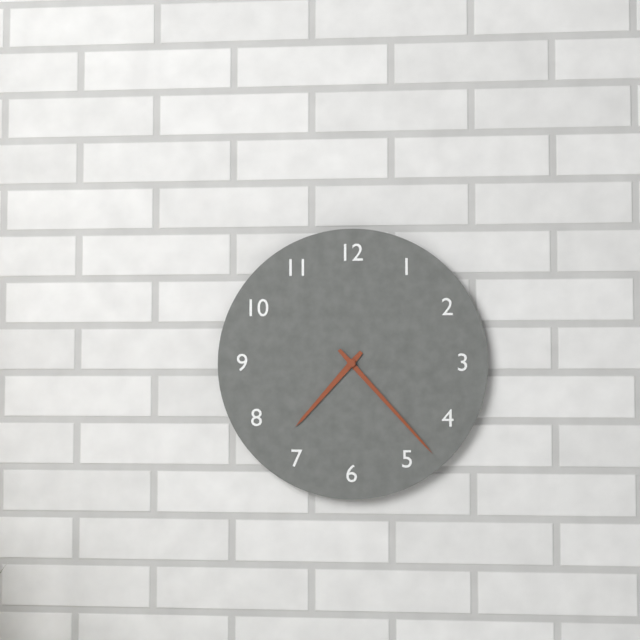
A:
7,23
